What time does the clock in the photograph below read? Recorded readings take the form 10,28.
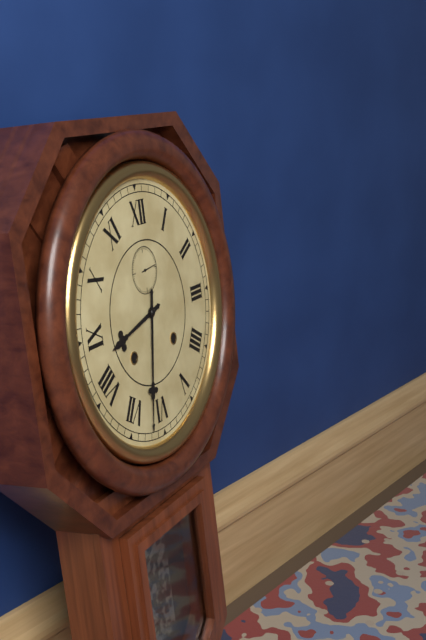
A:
8,32
